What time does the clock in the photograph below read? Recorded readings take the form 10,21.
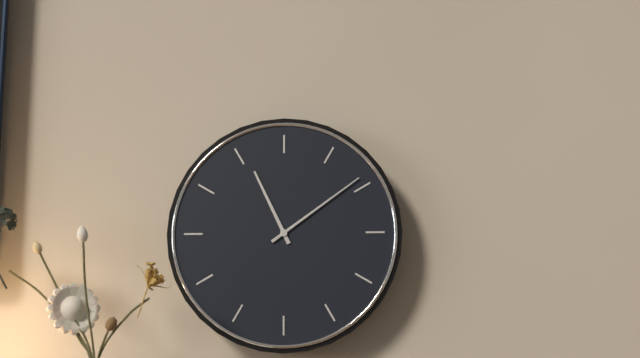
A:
11,09
